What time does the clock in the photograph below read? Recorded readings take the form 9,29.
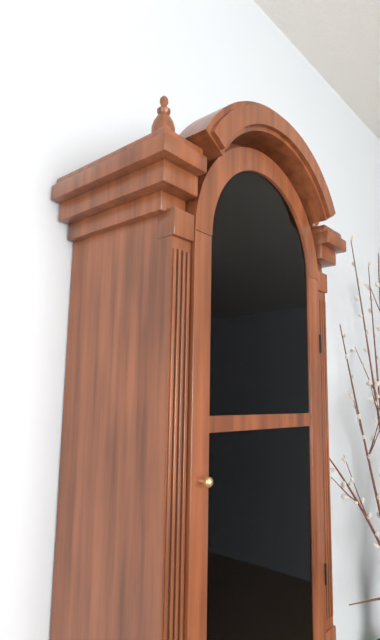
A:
5,26
